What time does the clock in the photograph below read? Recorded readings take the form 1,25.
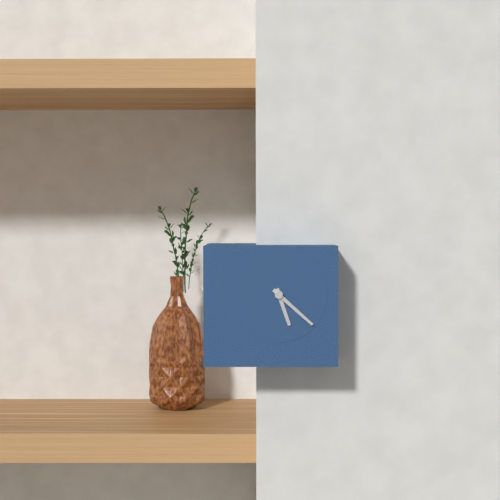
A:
5,22
